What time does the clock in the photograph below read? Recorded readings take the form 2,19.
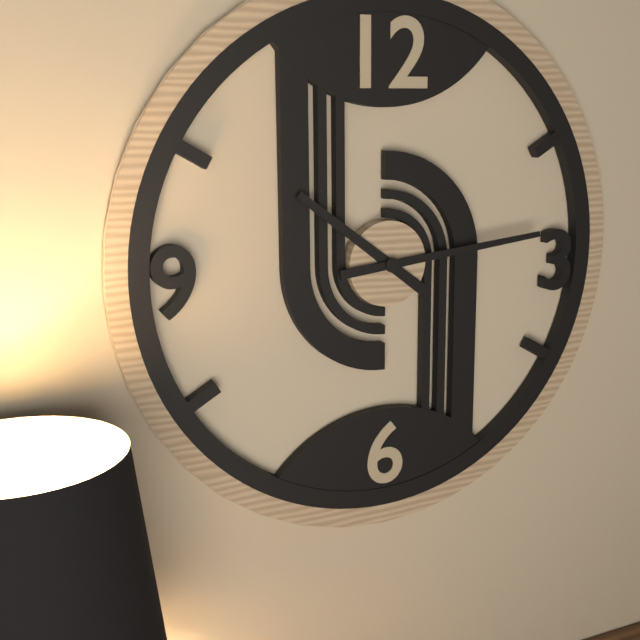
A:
10,14
